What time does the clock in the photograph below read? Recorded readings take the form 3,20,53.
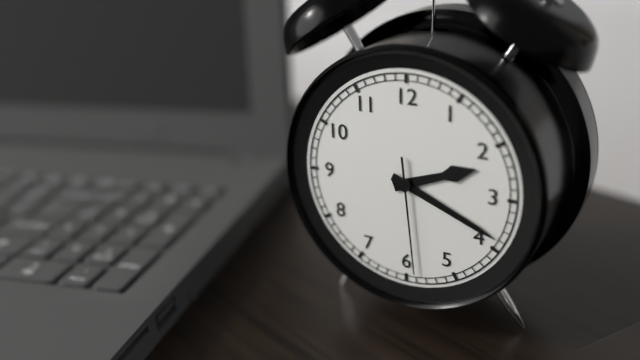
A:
2,19,29
